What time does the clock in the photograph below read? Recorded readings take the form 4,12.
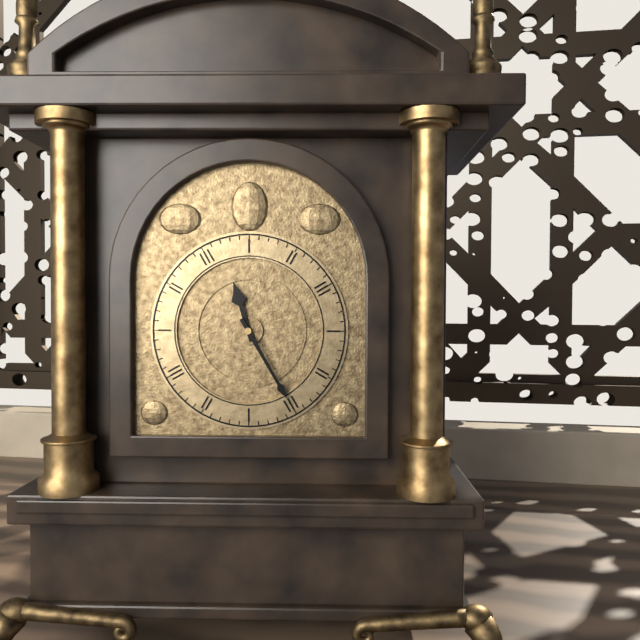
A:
11,25
